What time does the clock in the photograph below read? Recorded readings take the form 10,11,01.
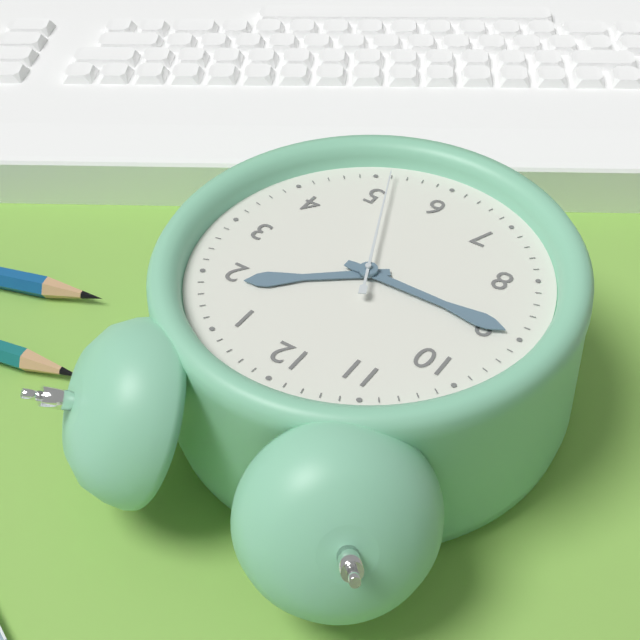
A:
1,45,26
